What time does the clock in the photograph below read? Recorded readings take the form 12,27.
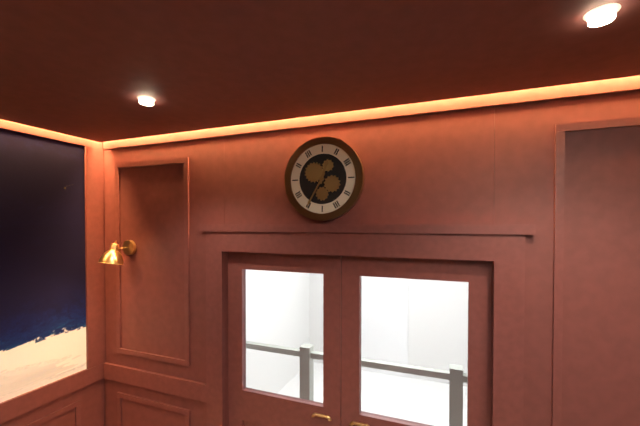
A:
12,35
